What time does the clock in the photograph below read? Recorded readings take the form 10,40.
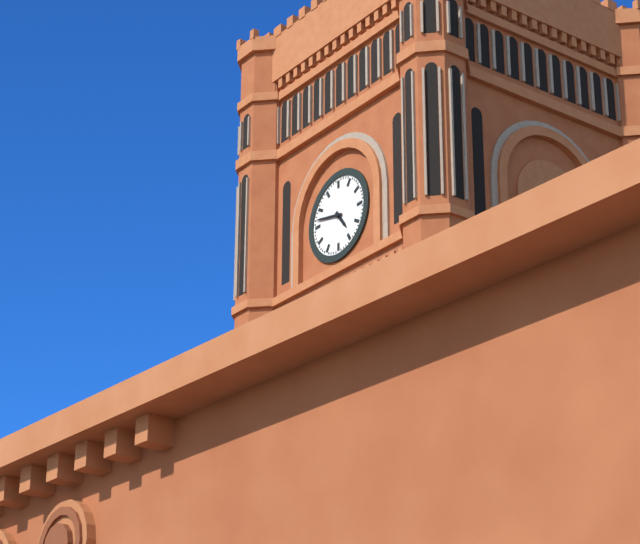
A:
4,47
